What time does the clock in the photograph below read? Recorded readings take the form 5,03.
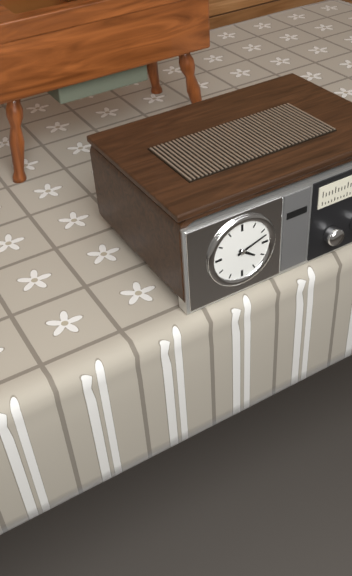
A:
4,12
